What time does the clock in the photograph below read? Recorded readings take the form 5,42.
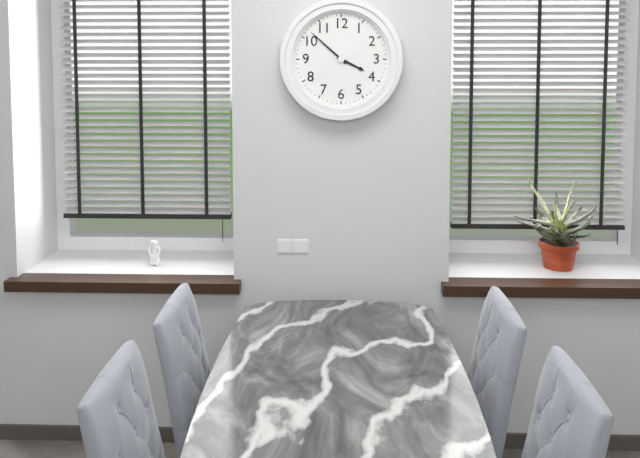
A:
3,52
